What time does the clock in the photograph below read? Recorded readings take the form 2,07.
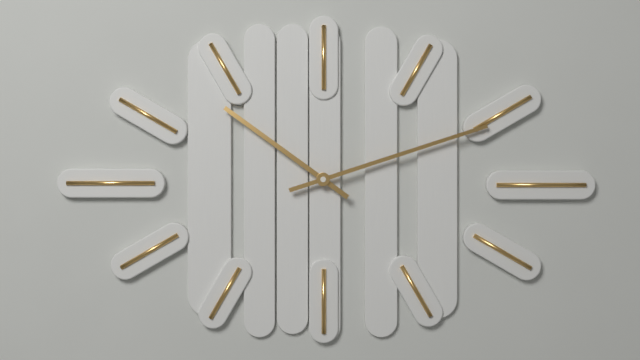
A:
10,12
